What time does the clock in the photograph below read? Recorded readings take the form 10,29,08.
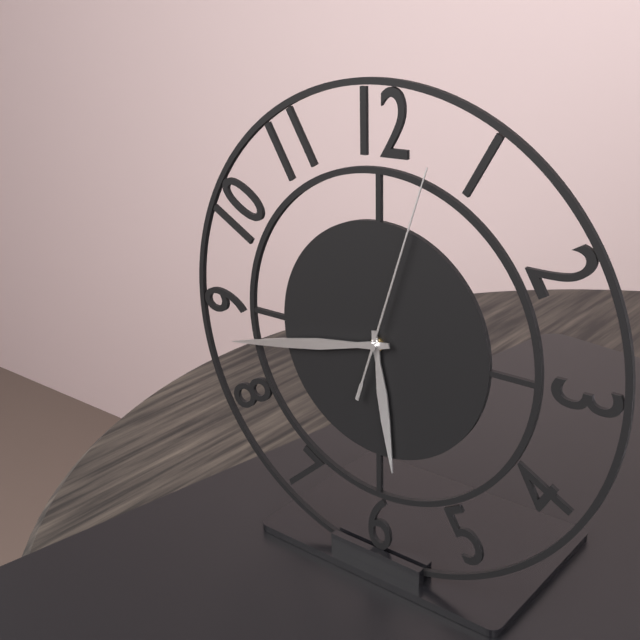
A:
5,43,03
